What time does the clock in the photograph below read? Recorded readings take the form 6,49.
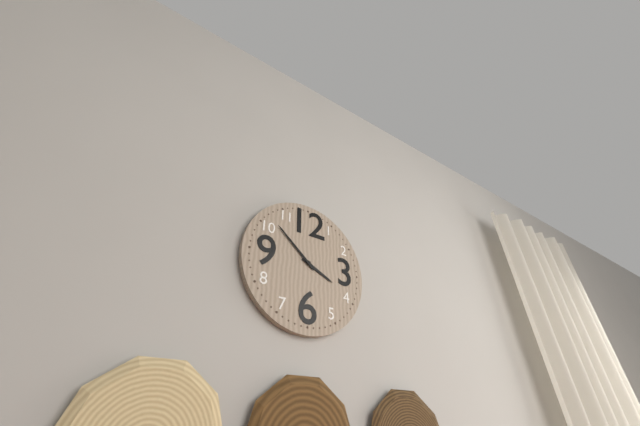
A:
3,52
